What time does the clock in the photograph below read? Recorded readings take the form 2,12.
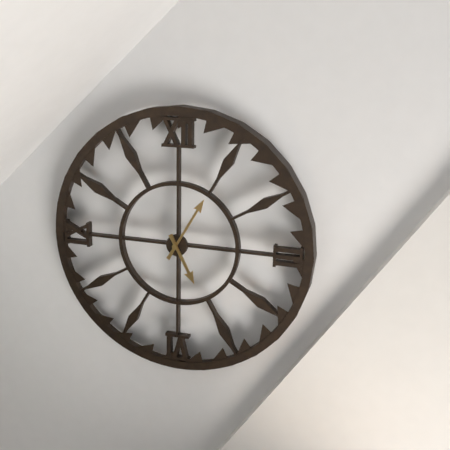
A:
5,05
